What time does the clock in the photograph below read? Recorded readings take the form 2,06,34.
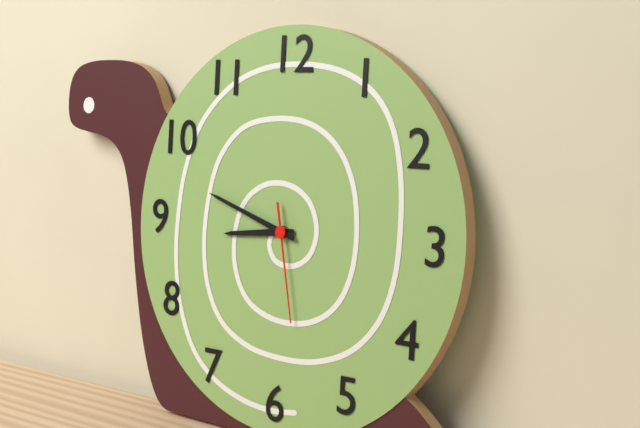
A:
8,48,28
